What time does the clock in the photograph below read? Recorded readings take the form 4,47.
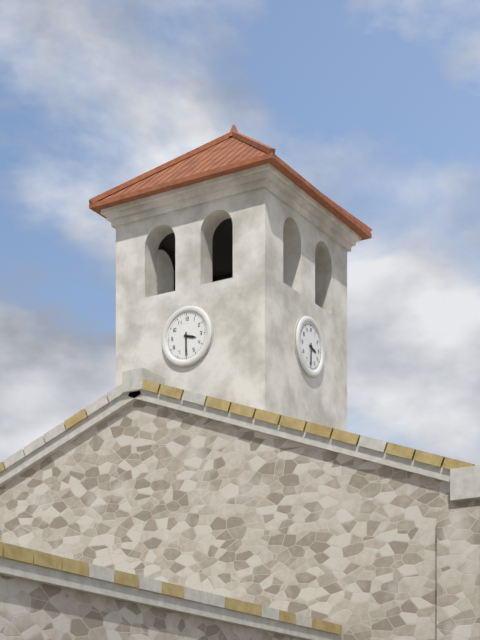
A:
3,30
